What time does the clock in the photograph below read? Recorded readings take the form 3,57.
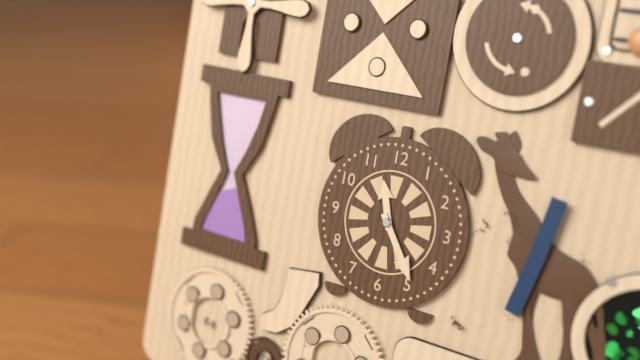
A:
11,24
